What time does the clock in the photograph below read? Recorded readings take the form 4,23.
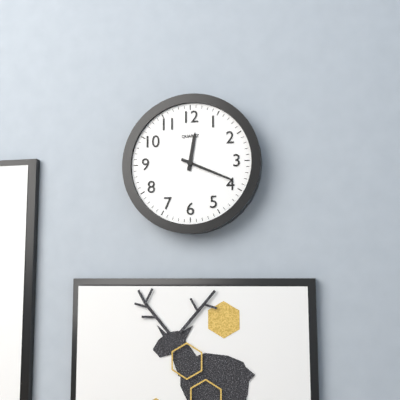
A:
12,19
